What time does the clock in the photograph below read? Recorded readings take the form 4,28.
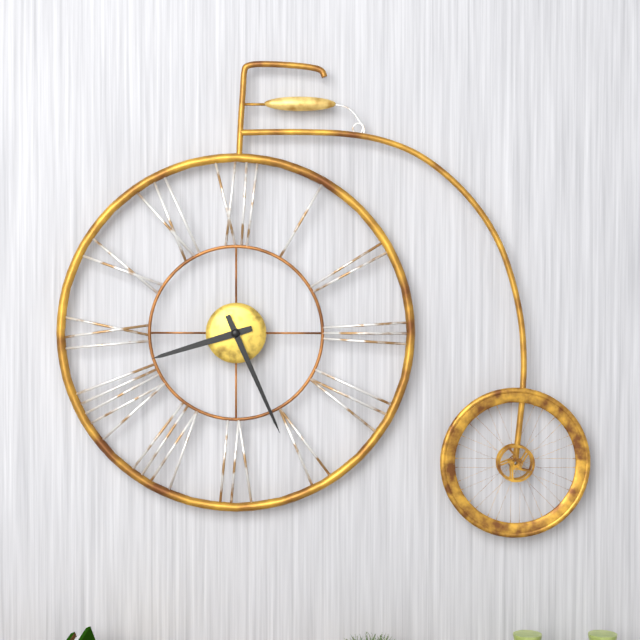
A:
8,26
